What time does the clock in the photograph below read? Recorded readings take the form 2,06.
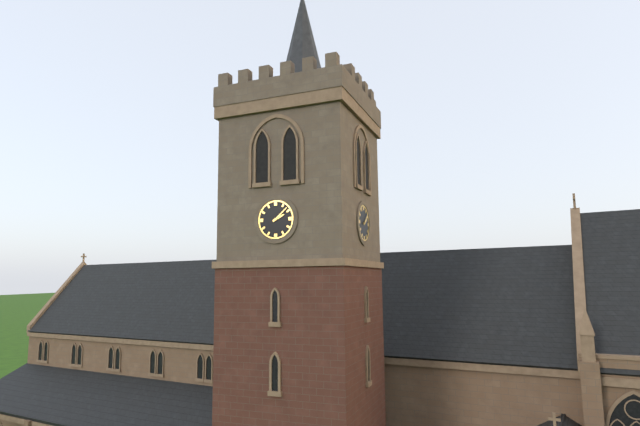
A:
2,08
